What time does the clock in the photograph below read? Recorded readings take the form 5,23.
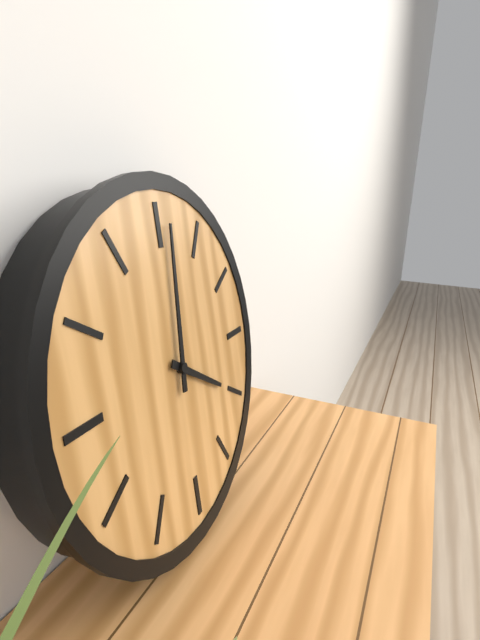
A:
4,01
